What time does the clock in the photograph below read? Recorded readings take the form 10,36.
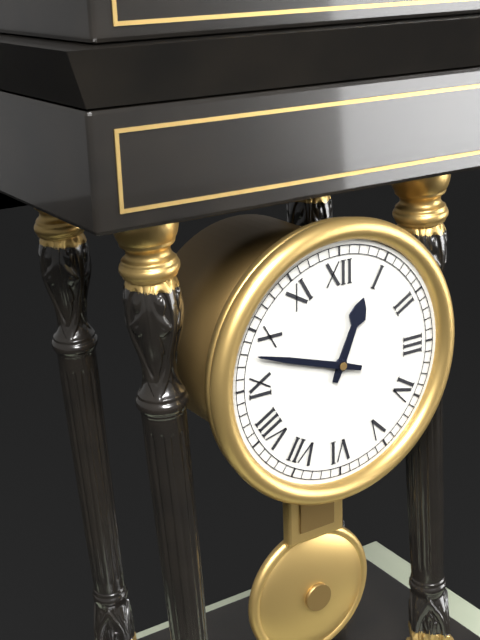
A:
12,48
